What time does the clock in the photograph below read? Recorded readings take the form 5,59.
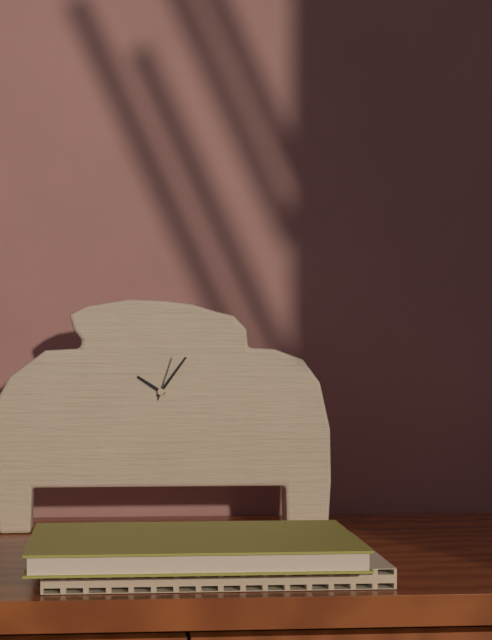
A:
10,06
